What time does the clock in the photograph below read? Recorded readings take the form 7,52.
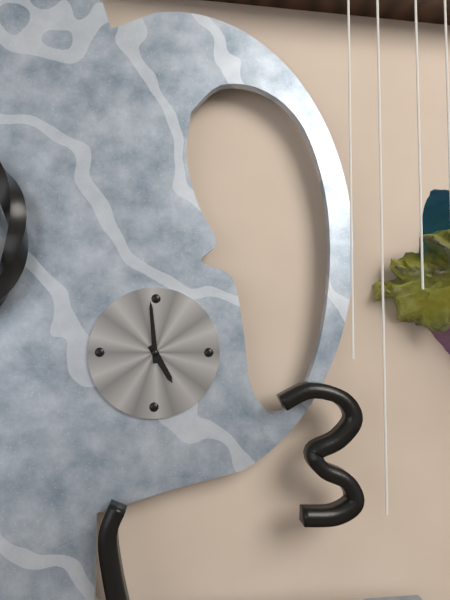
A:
4,59
